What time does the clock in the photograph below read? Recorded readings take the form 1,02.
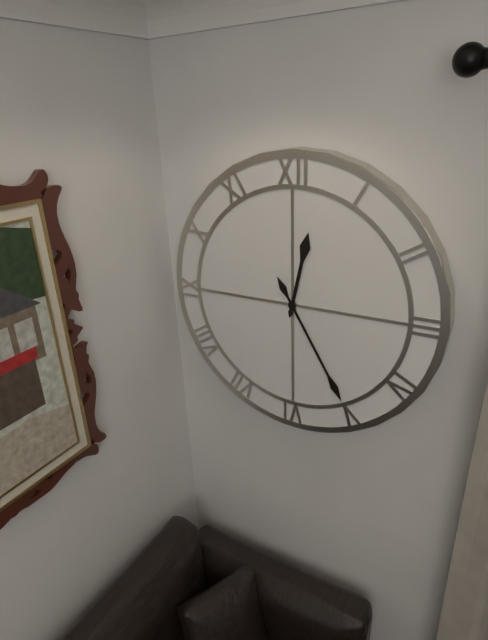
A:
12,25
